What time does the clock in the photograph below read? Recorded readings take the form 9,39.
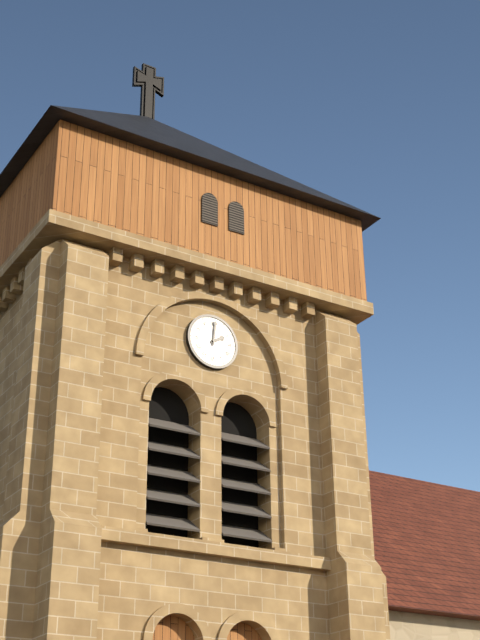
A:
2,01
